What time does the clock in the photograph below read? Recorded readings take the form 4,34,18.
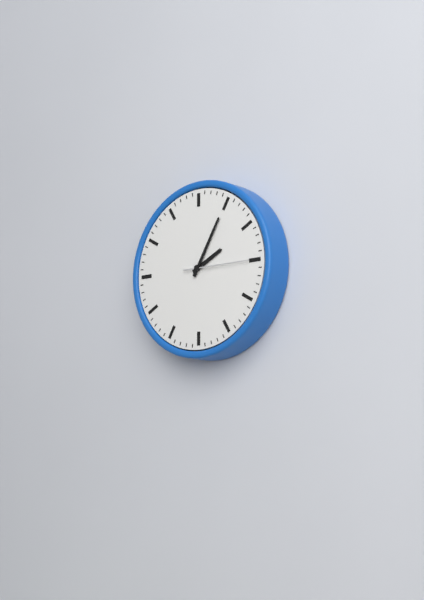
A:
2,05,15
